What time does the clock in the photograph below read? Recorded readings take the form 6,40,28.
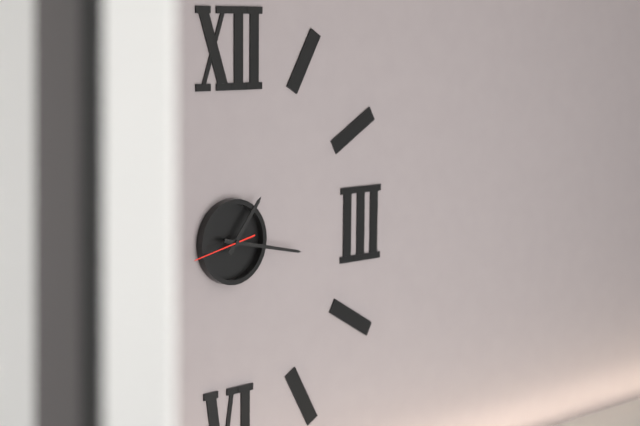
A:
1,17,43
